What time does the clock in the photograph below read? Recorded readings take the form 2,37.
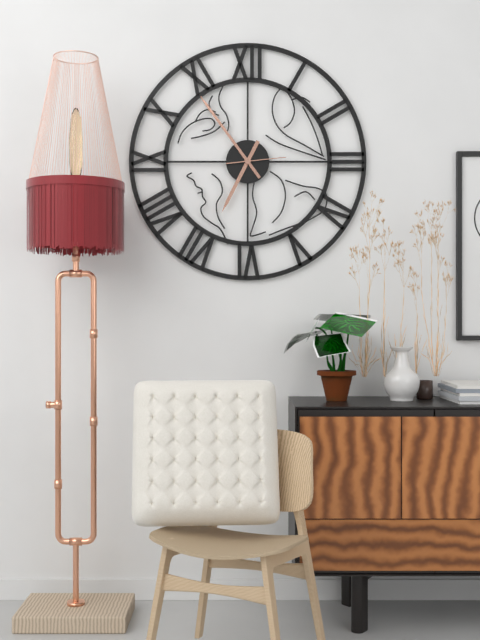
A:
6,54
